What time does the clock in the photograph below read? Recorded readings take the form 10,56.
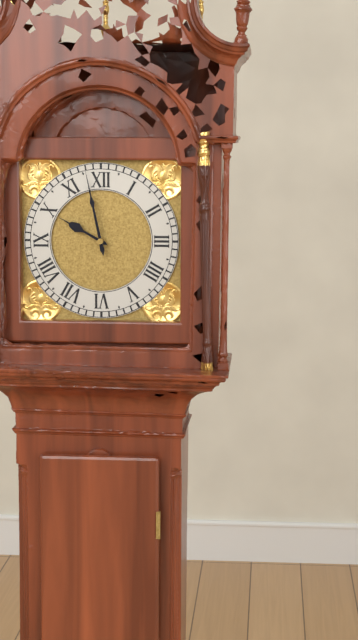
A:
9,58
